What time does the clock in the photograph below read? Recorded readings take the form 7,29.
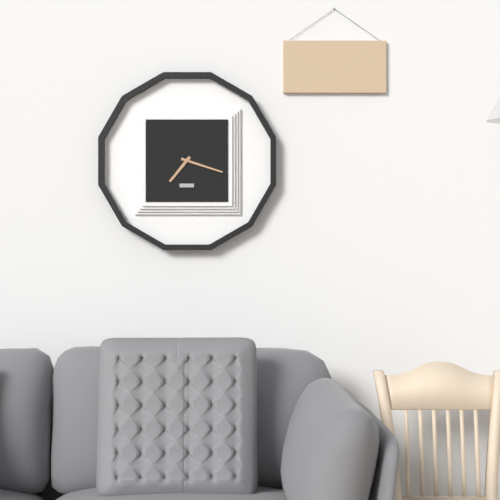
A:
7,18
